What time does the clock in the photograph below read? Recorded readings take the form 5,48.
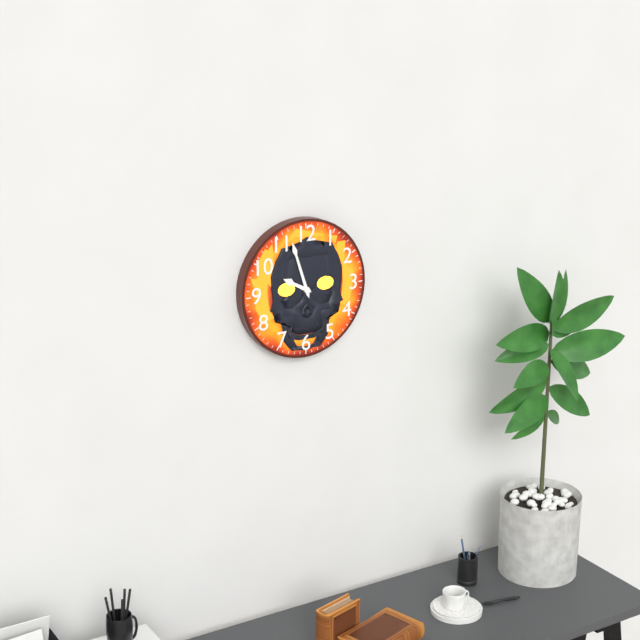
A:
9,57
